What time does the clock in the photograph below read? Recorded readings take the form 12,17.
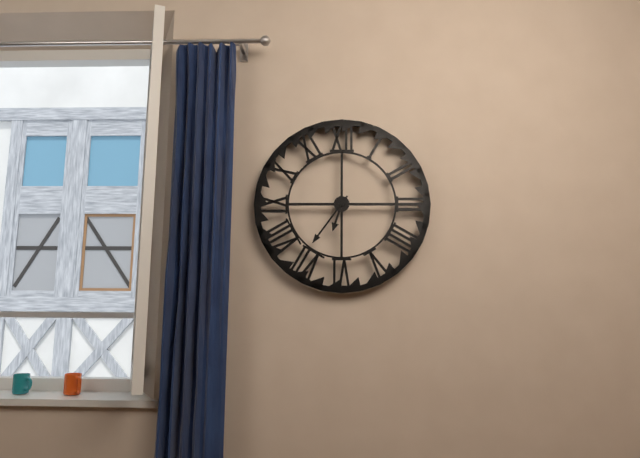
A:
6,36
